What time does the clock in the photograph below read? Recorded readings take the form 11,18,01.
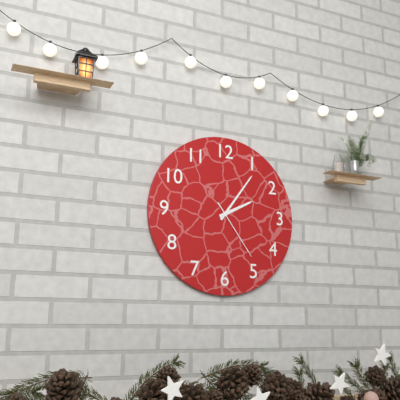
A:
2,06,24
